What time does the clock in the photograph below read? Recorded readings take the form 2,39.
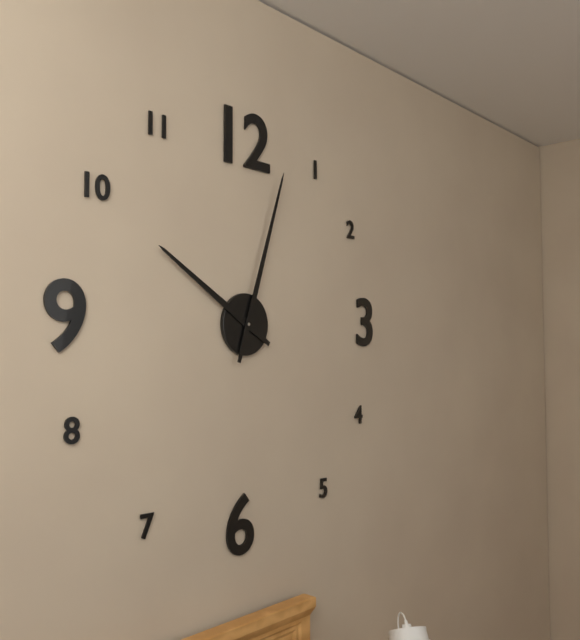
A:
10,03
